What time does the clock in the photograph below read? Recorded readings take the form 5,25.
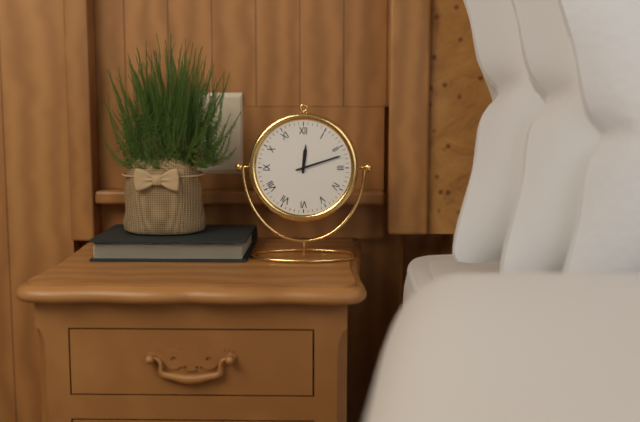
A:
12,12
